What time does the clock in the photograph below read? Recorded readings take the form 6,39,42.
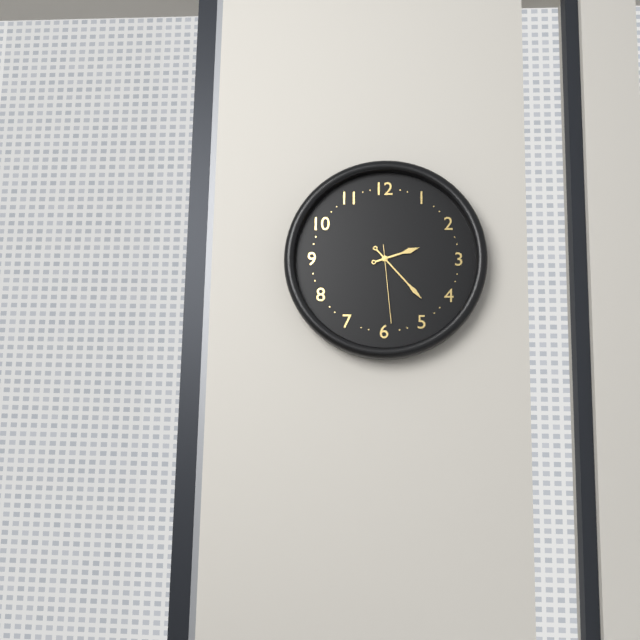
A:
2,23,29
